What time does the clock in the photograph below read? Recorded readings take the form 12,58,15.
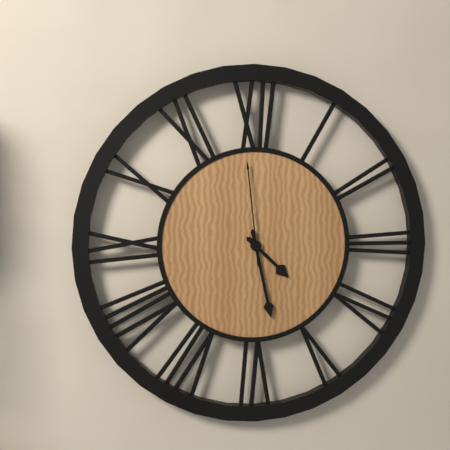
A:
4,28,59
